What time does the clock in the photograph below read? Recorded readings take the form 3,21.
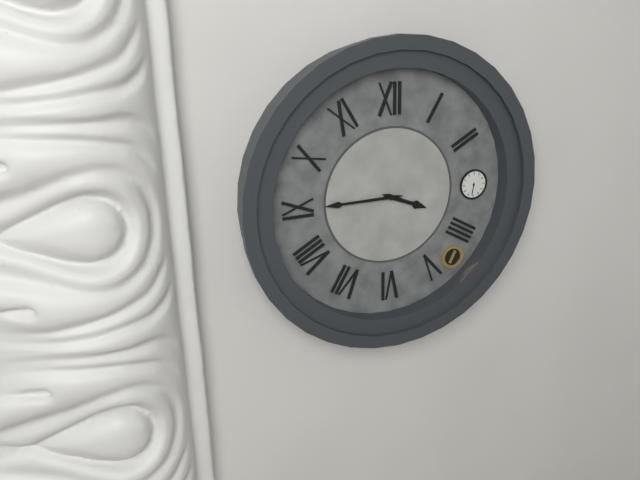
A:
3,45
